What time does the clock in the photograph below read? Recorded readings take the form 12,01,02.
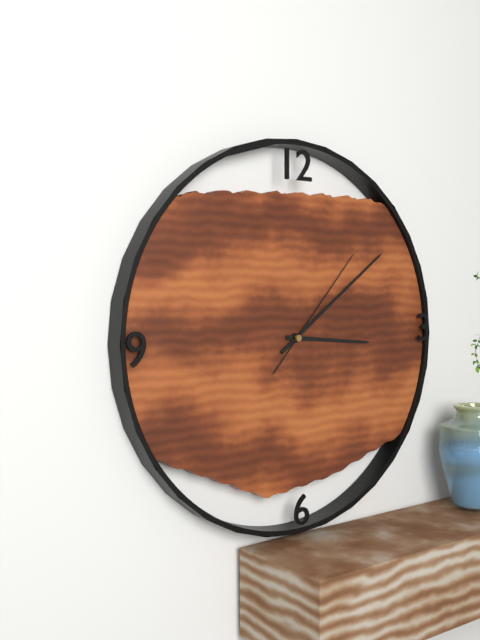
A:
3,09,07
